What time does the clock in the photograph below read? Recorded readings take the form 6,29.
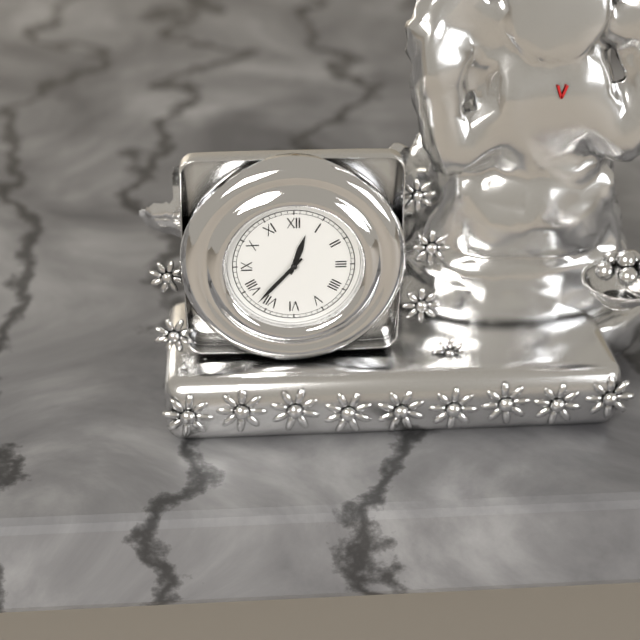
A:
12,37
